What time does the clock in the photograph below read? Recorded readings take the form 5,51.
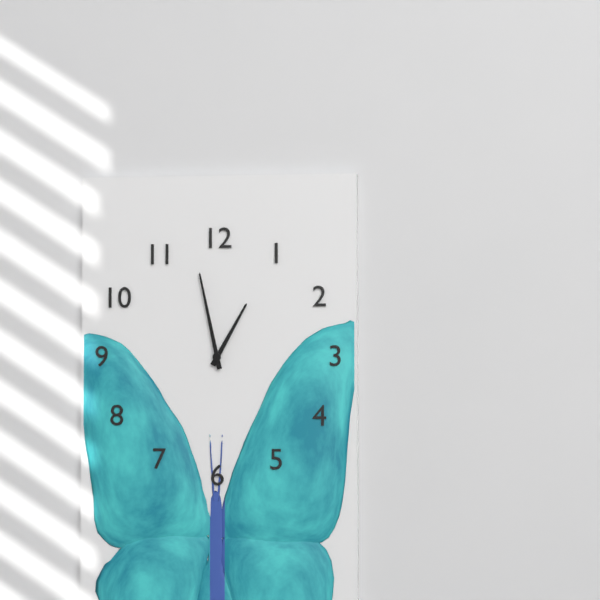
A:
12,58
